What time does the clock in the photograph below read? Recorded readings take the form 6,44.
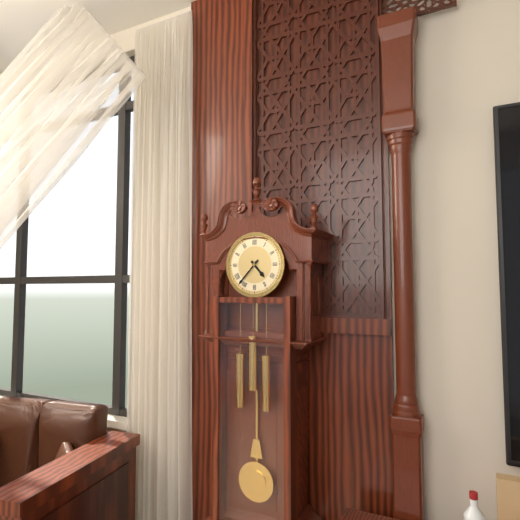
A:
4,37
